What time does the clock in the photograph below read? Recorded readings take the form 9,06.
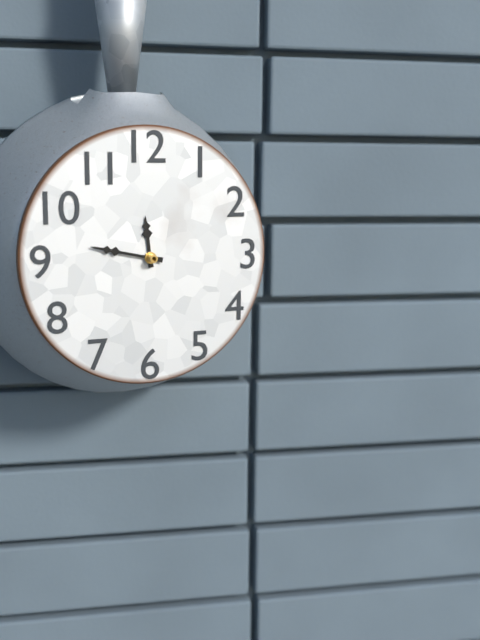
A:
11,47
